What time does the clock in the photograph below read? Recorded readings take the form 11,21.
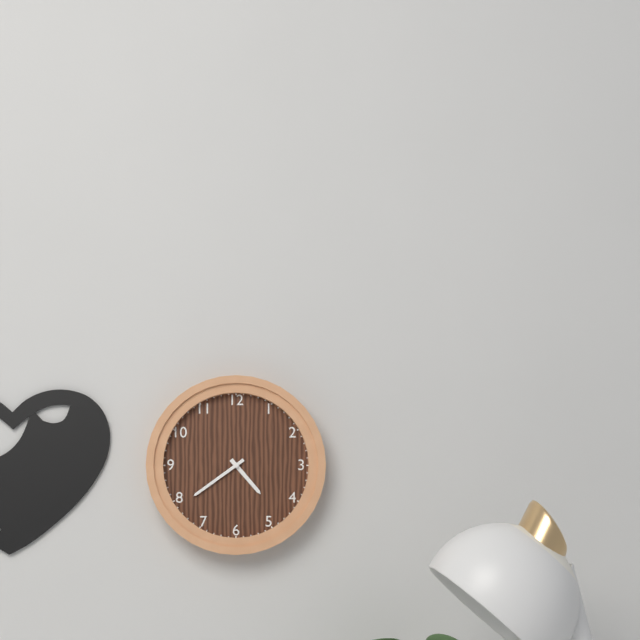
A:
4,39
